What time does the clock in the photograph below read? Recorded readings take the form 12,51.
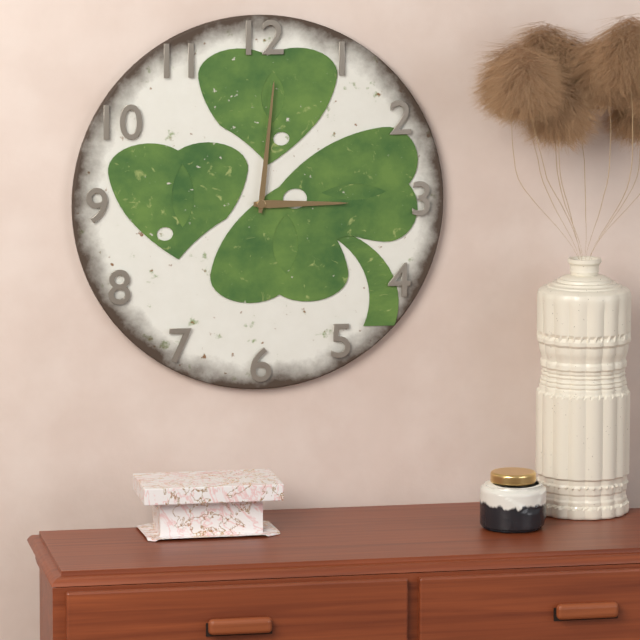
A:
3,01
